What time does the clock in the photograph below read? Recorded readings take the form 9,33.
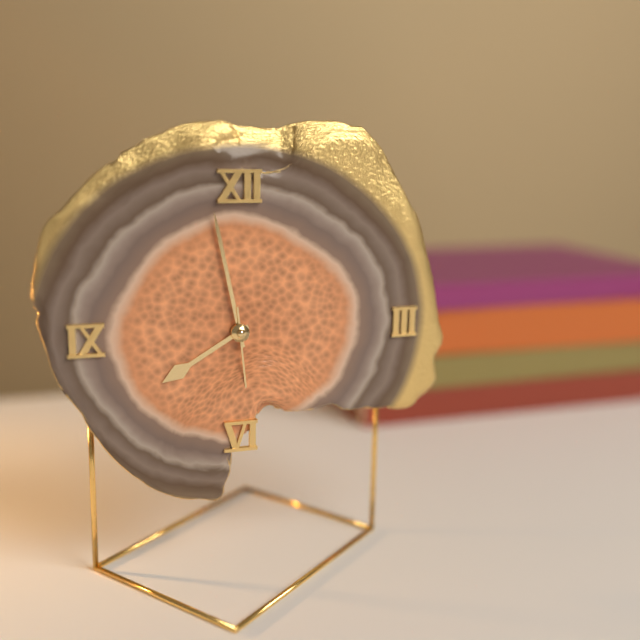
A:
7,58
